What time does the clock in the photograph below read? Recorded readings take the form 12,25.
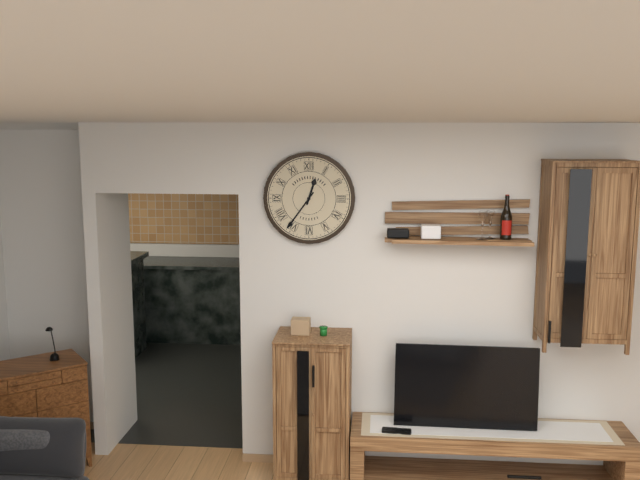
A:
12,36
